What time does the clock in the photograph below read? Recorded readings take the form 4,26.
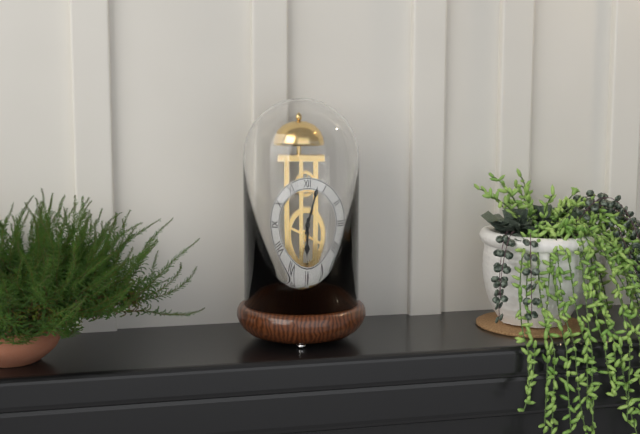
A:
6,03
